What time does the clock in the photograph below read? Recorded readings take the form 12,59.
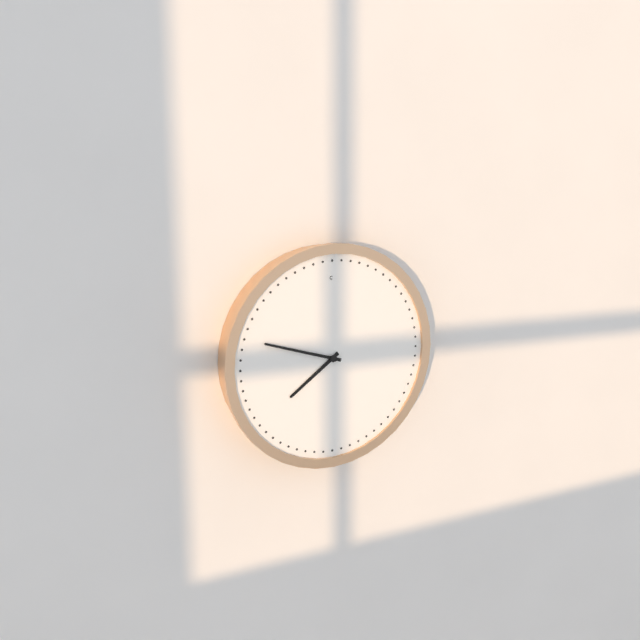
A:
7,48
